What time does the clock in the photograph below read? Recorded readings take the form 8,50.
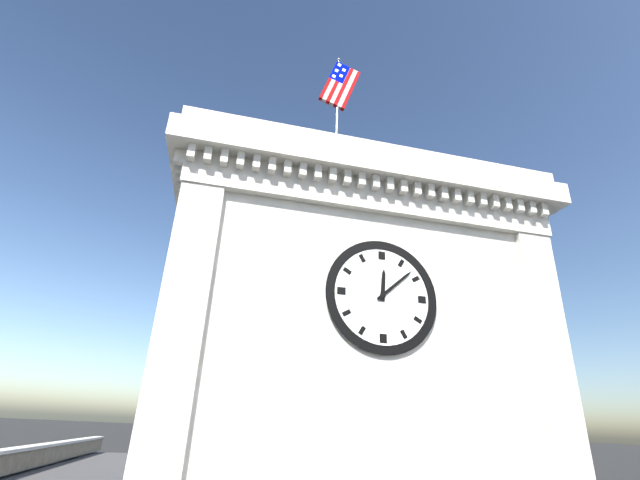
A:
12,08
